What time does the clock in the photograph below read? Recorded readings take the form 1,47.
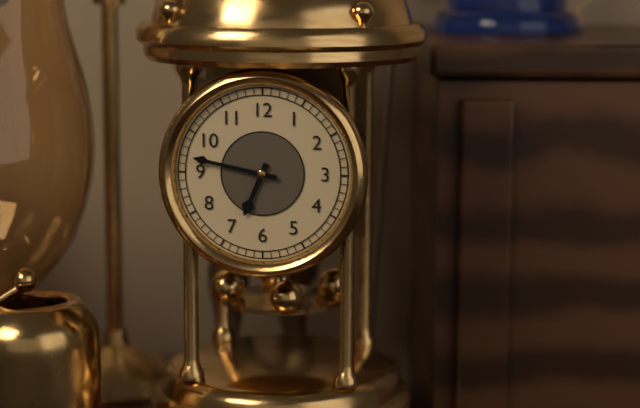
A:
6,47
